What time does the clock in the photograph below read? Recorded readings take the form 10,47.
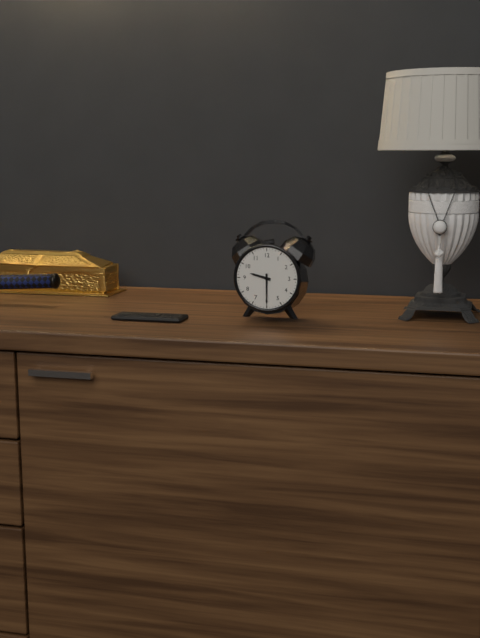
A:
9,30
